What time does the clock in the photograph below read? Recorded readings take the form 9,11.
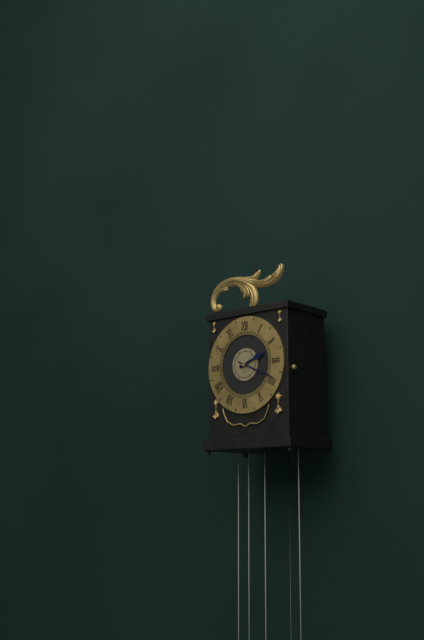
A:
2,19
